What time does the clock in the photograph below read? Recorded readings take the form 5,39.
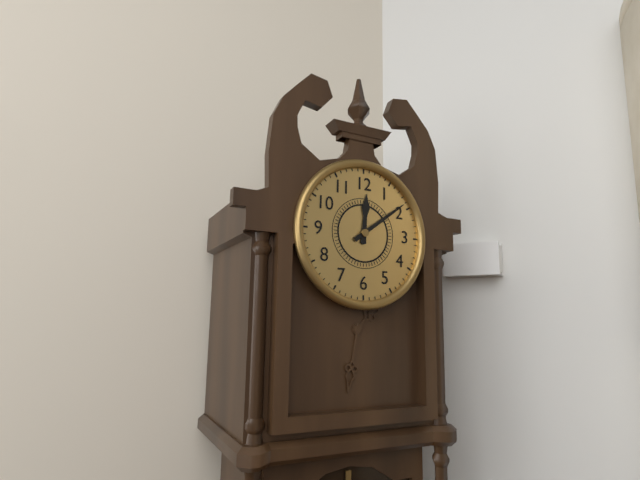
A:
12,09
